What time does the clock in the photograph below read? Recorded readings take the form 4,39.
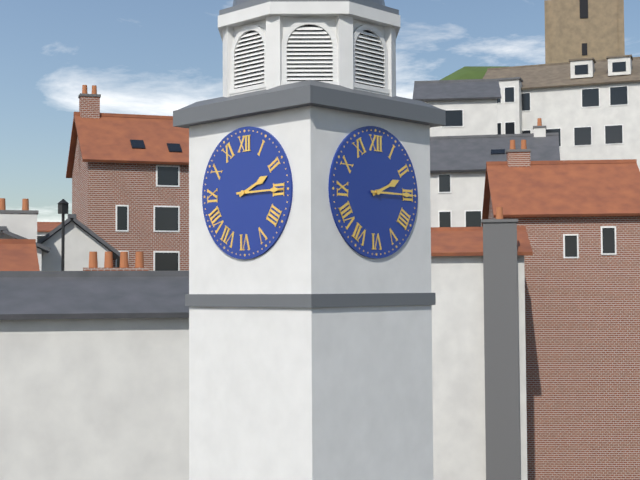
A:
2,15
